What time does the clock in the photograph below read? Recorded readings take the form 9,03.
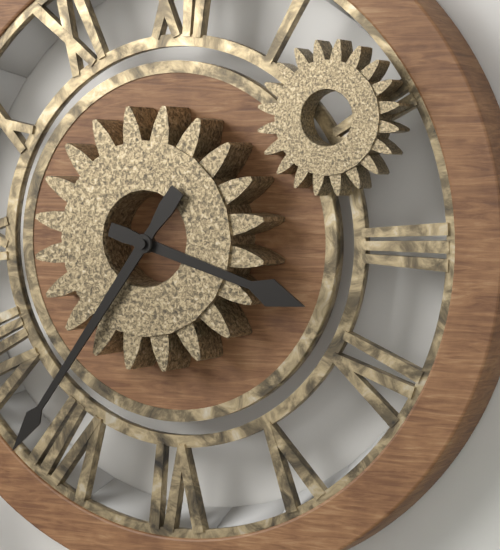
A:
3,36
